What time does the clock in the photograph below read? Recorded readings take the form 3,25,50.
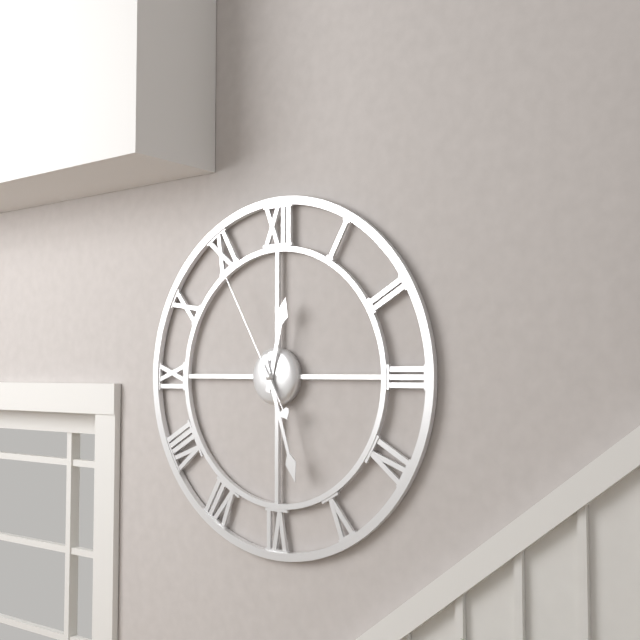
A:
12,27,55
